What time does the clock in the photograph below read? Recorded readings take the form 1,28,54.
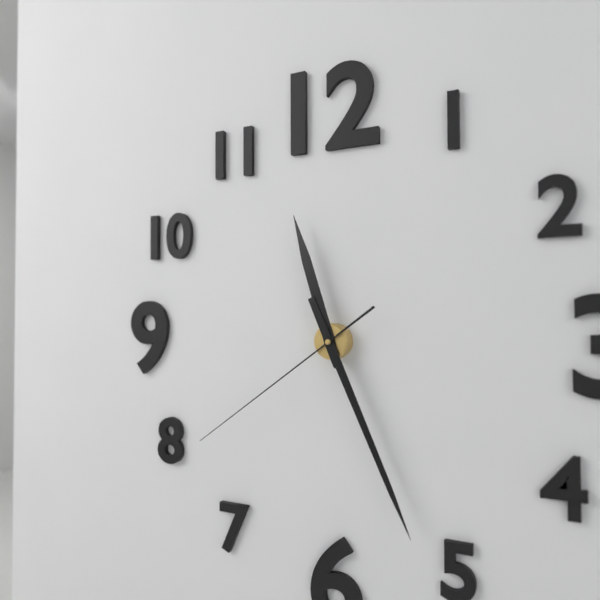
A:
11,26,39
